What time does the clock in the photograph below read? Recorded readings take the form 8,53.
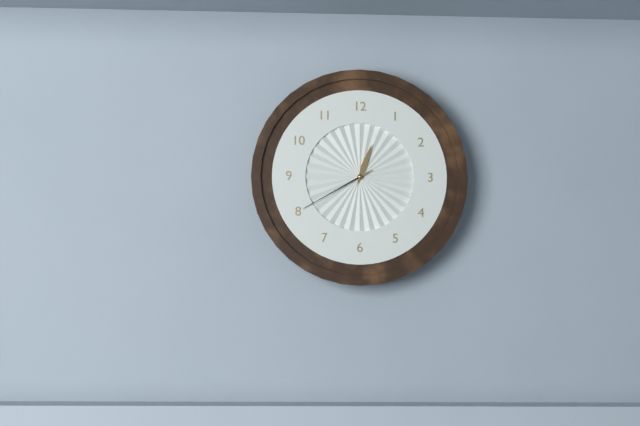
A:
12,40
